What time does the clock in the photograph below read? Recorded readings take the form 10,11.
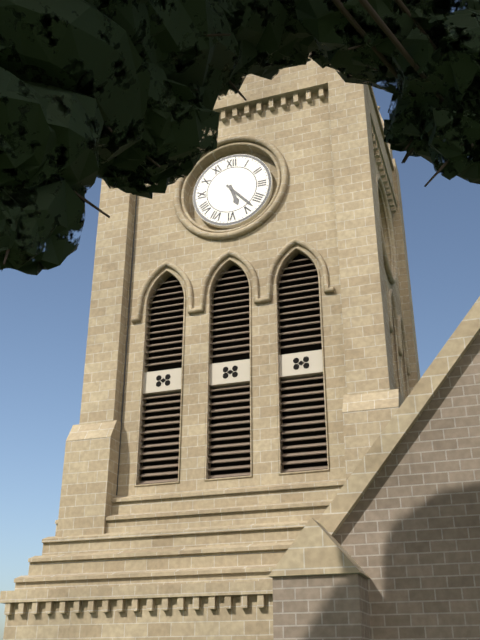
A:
5,23
